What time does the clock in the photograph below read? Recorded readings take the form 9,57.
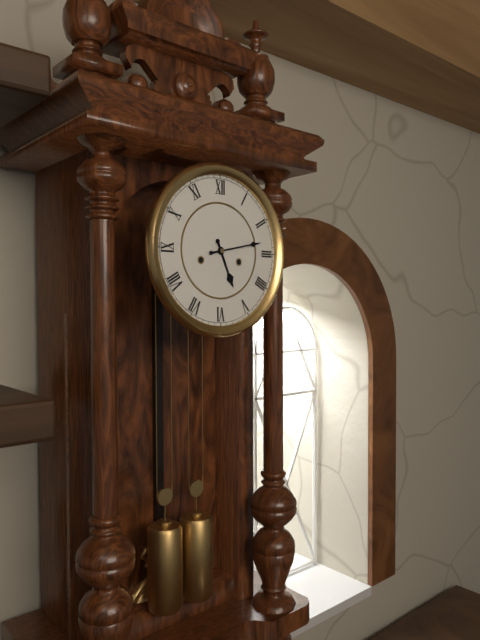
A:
5,13
